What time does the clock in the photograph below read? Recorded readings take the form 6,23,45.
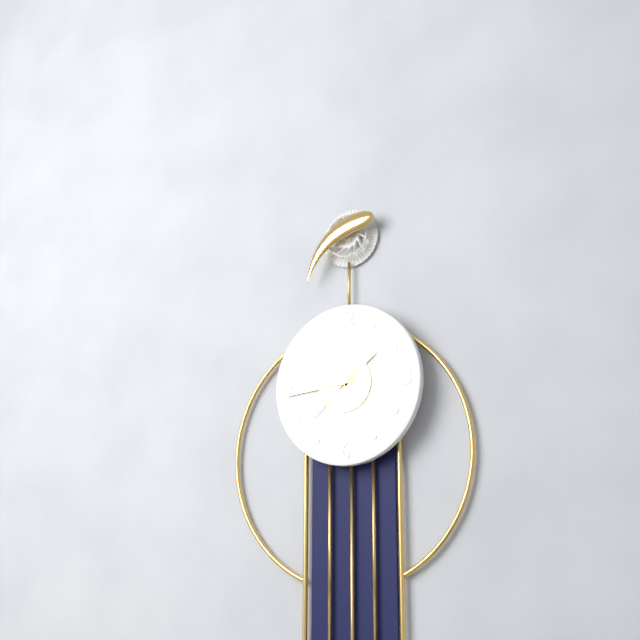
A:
1,44,38
